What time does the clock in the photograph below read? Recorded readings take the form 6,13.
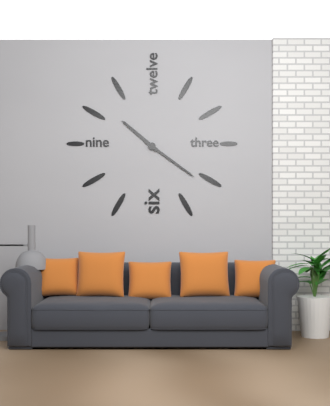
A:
10,21
